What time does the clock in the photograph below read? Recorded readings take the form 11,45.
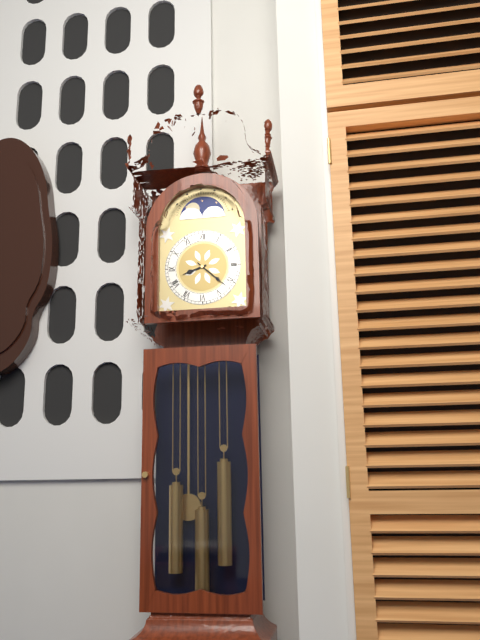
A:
8,22
